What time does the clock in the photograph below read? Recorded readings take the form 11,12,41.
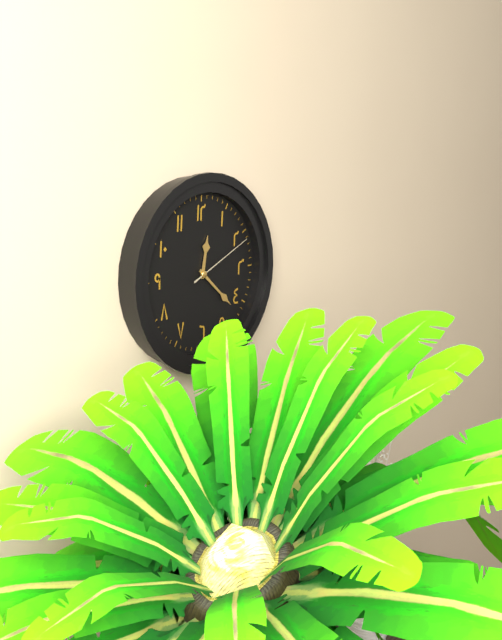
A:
12,22,11
